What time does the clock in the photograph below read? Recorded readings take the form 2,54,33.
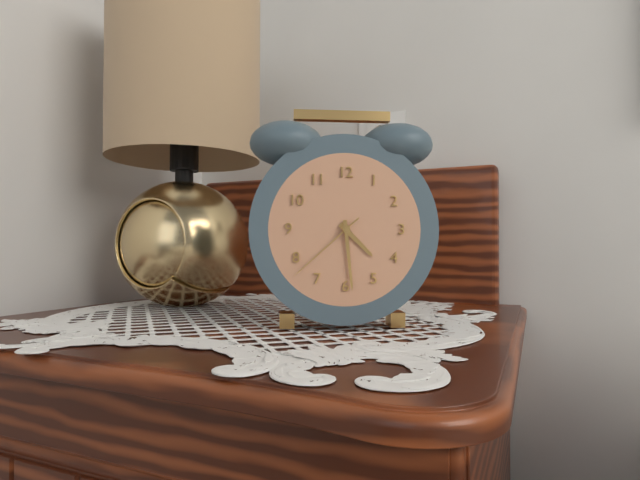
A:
4,29,38
